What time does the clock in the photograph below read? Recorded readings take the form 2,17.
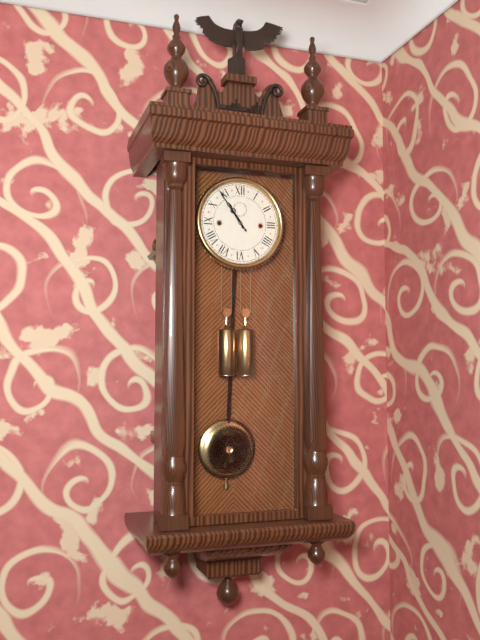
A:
10,54
